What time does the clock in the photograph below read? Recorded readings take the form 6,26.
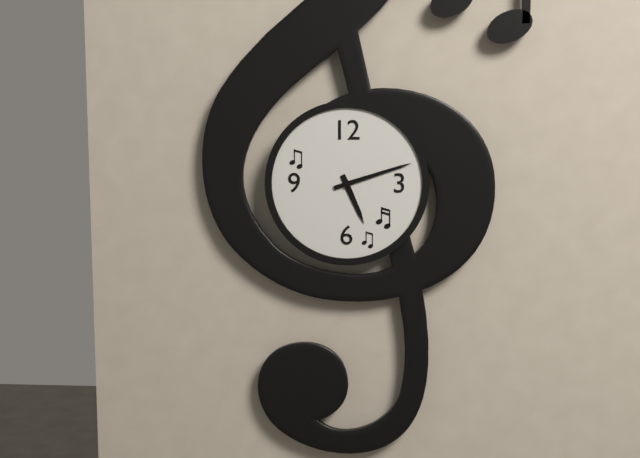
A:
5,12
